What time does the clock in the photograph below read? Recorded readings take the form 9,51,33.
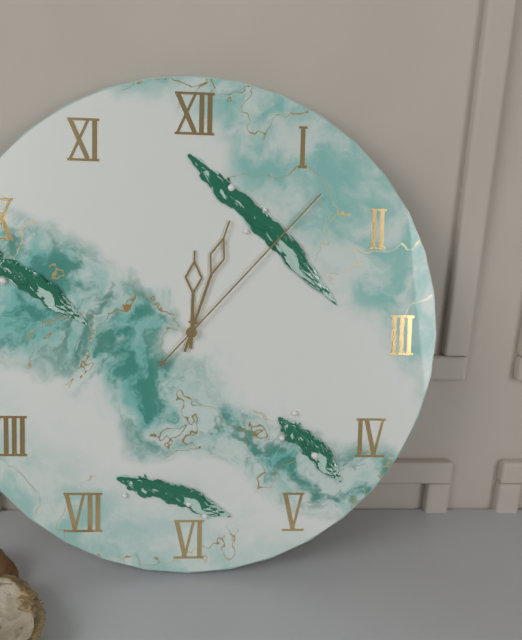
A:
12,03,07
